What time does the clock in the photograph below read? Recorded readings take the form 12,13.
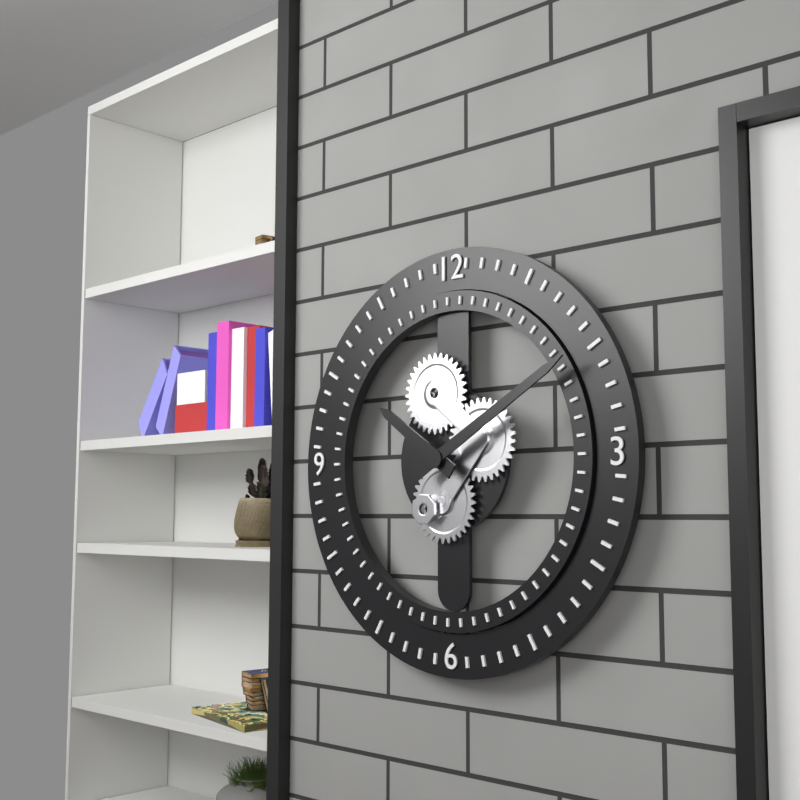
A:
10,10
